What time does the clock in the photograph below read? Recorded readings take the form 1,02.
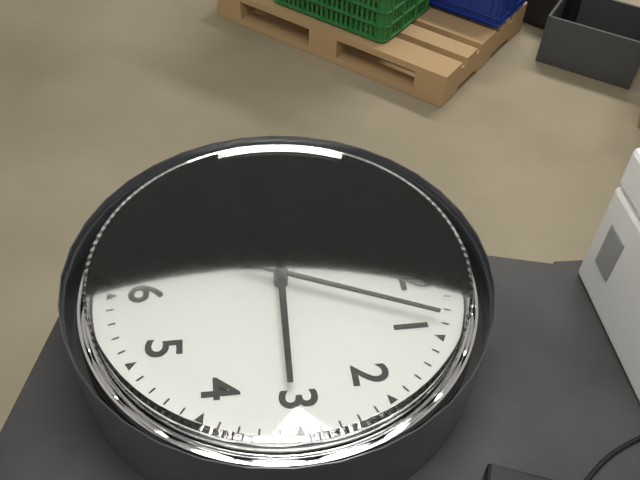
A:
3,04
